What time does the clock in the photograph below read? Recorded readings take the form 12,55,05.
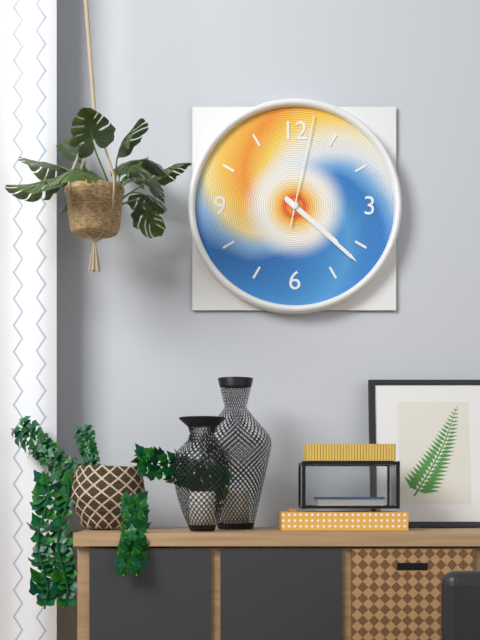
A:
4,22,02
